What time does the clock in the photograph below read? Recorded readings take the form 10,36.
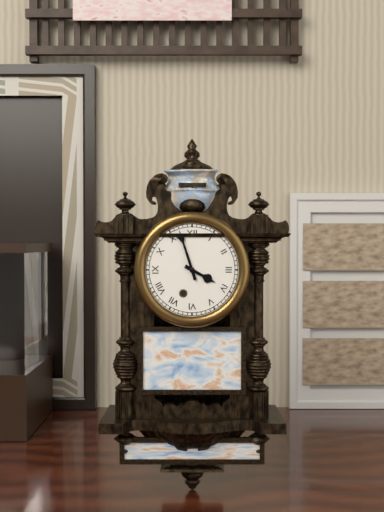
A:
3,57
